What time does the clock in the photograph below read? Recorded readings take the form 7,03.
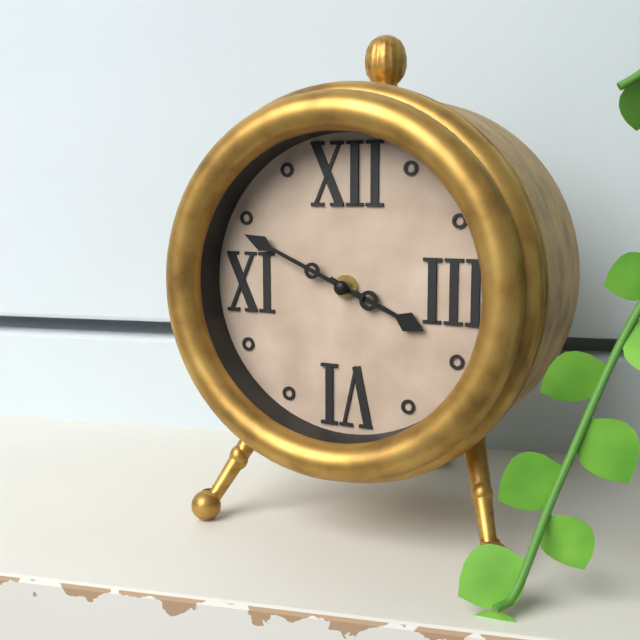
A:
3,49
